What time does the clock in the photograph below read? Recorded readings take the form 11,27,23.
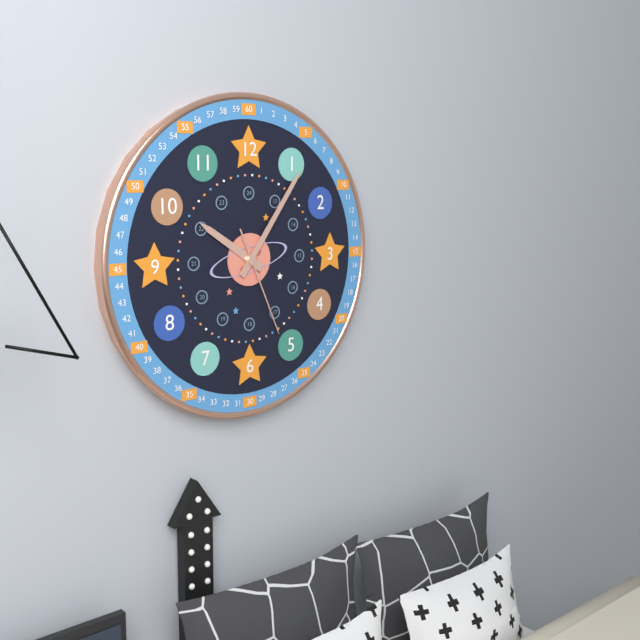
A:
10,06,26
